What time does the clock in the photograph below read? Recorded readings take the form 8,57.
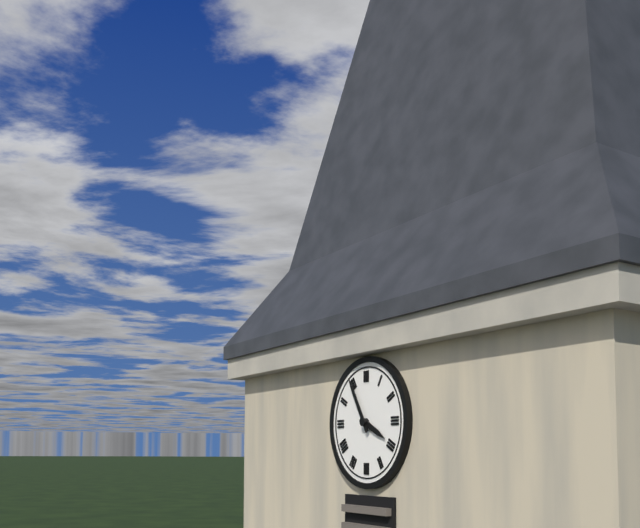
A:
3,55
